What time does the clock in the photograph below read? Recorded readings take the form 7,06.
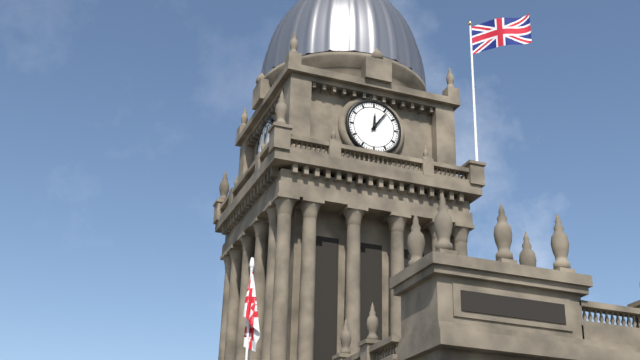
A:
12,06
